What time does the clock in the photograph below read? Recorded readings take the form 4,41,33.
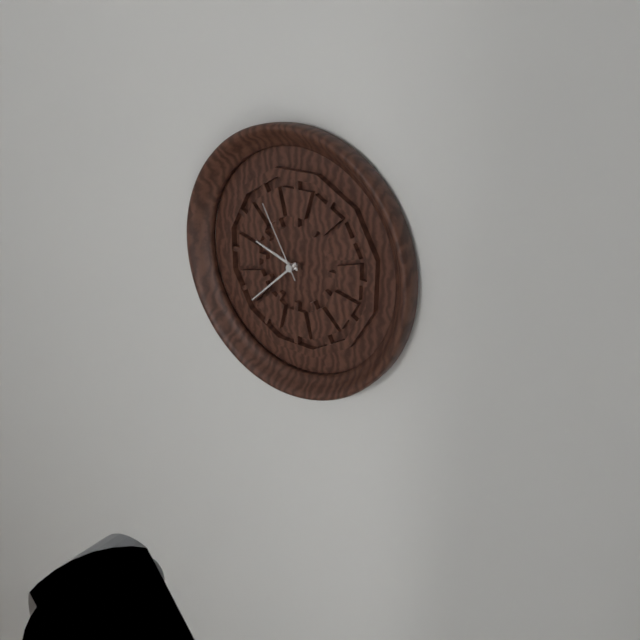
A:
9,38,55
